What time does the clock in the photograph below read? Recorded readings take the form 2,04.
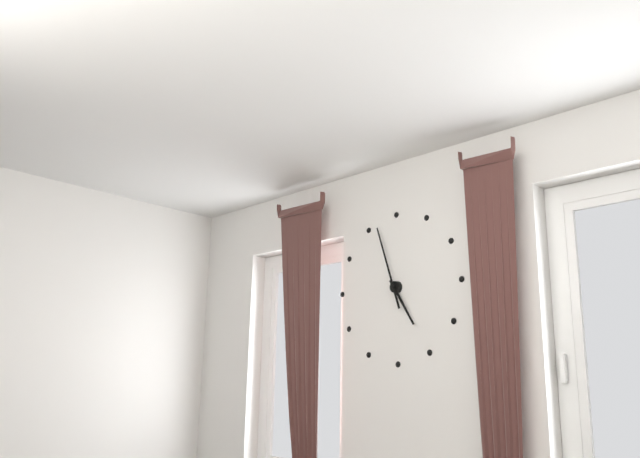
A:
4,57
